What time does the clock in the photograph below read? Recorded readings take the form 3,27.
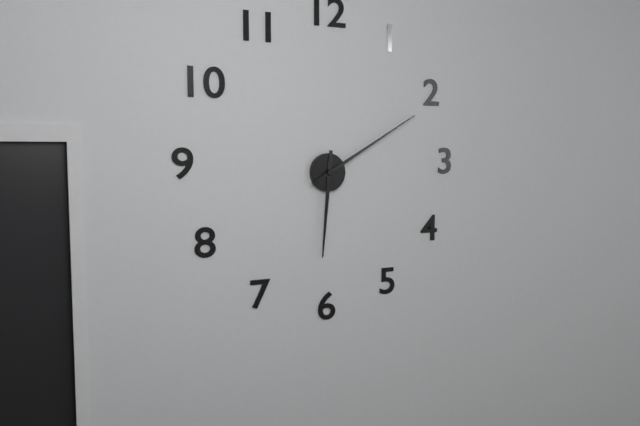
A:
6,10
